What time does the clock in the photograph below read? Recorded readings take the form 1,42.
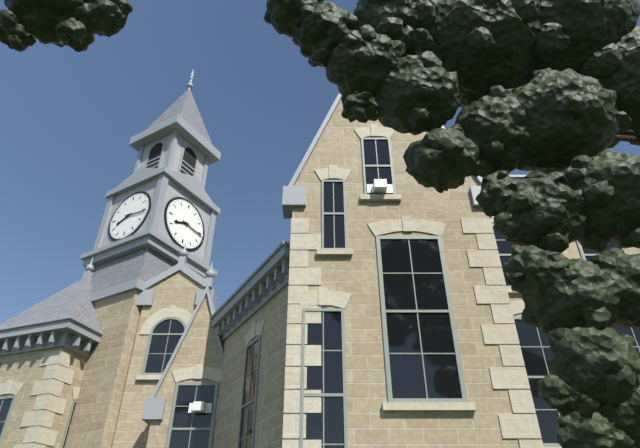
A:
8,16
